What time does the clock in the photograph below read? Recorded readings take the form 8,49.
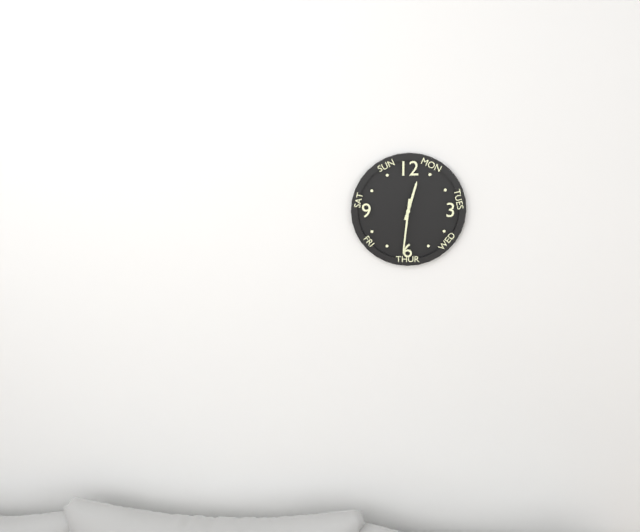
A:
12,31
